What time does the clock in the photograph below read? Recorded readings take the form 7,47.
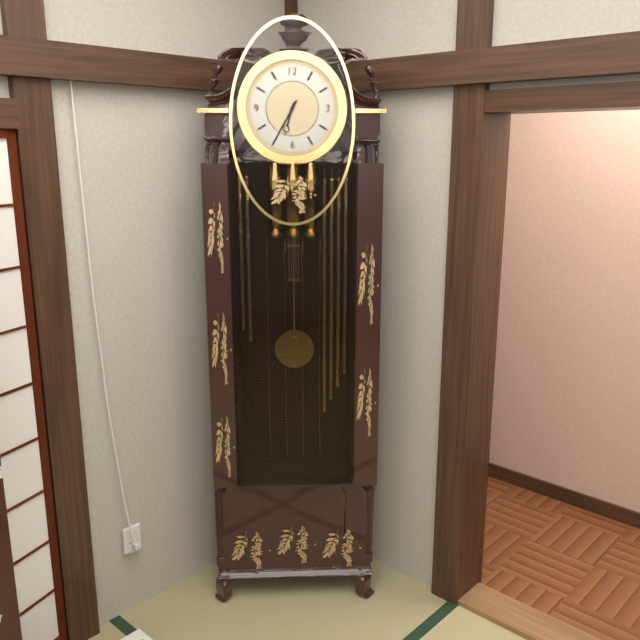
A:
6,35
